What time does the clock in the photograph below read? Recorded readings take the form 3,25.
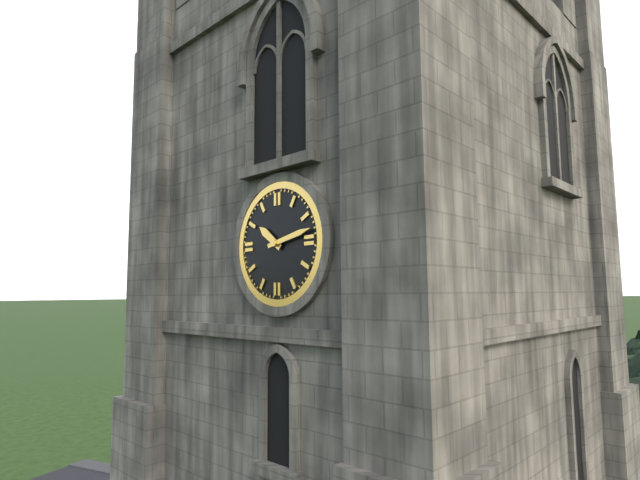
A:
10,13
